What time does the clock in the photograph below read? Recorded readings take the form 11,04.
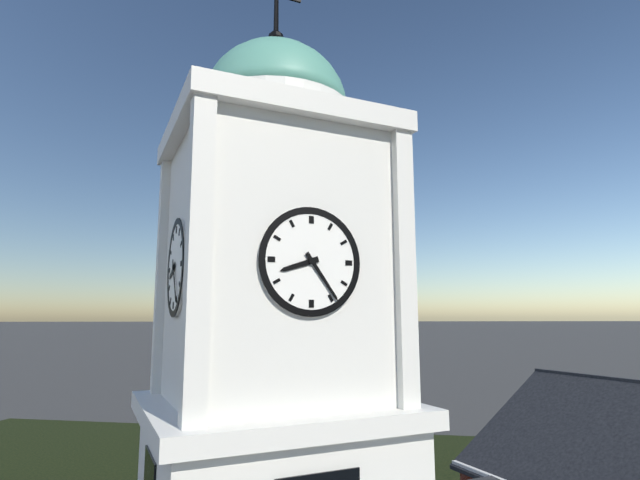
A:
8,24
